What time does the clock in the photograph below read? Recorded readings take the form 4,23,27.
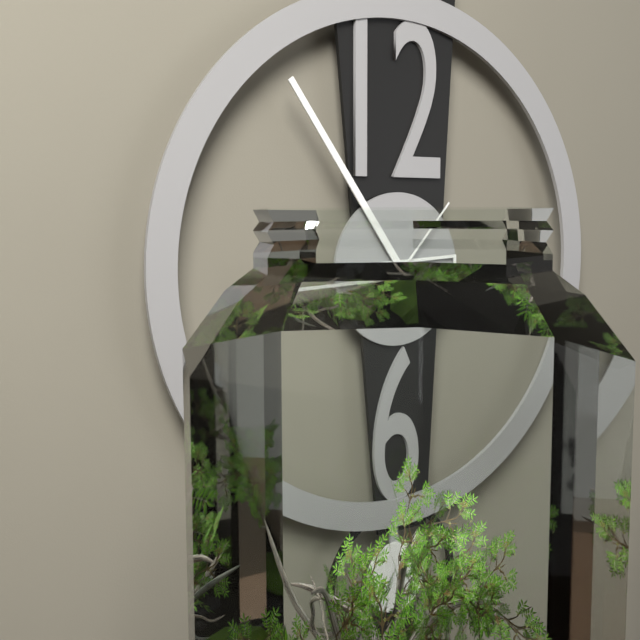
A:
8,54,07
